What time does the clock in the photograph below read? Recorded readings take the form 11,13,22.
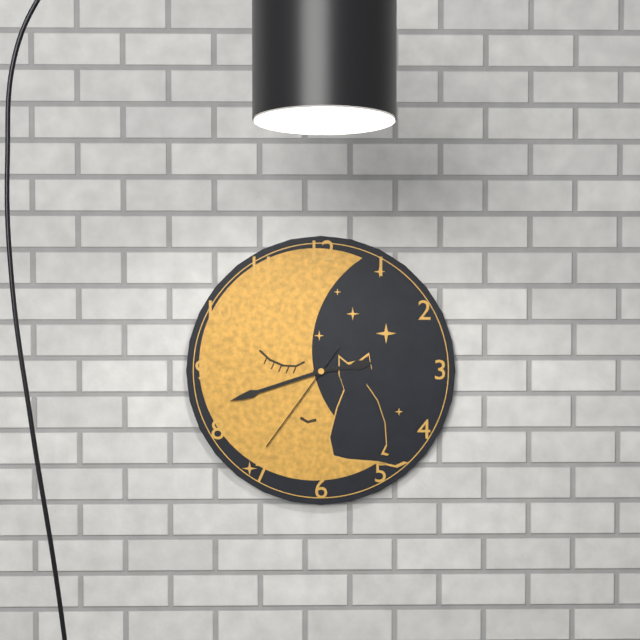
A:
2,42,36
